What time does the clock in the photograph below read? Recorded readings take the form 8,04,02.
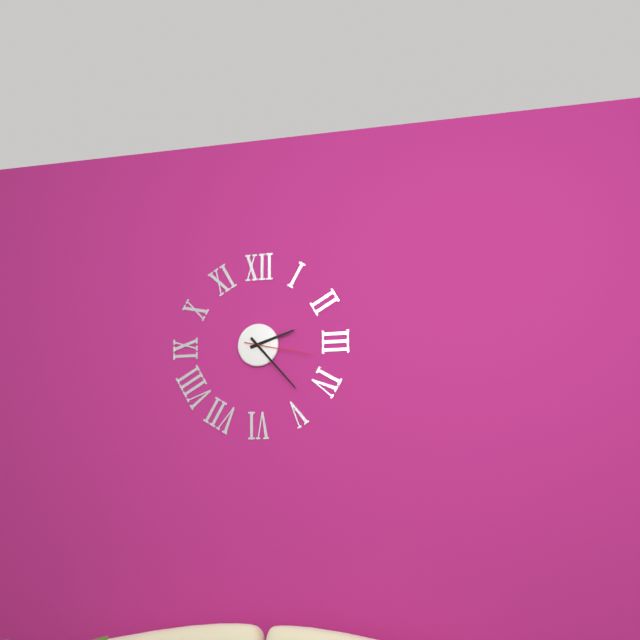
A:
2,23,17
